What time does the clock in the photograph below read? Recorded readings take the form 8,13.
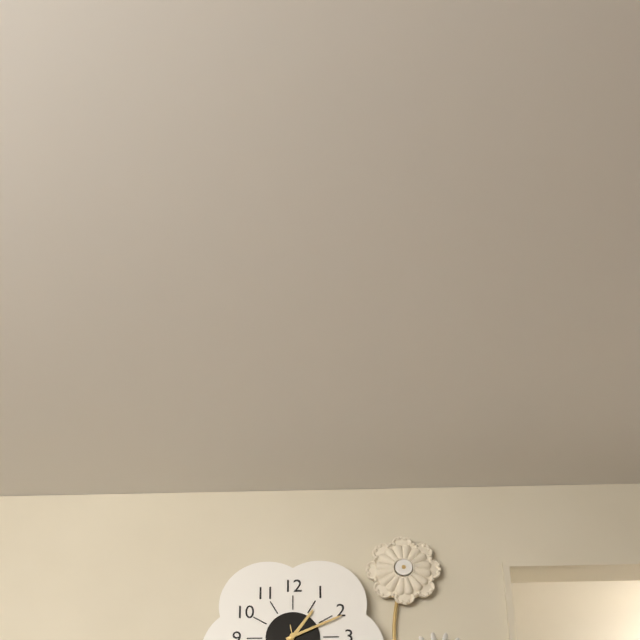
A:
1,11
